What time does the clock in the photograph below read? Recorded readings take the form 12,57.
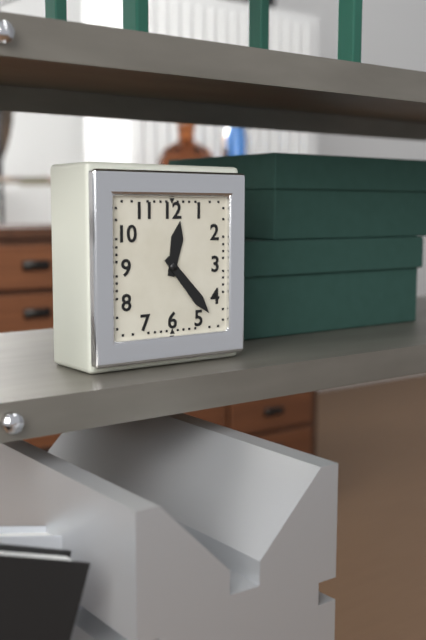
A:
12,23
